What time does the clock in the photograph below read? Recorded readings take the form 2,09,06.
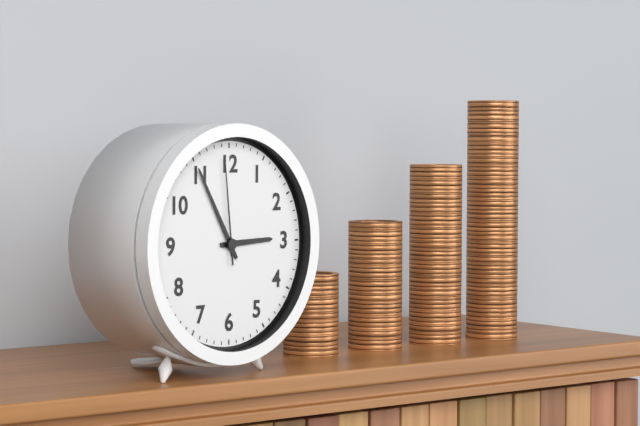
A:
2,55,59
